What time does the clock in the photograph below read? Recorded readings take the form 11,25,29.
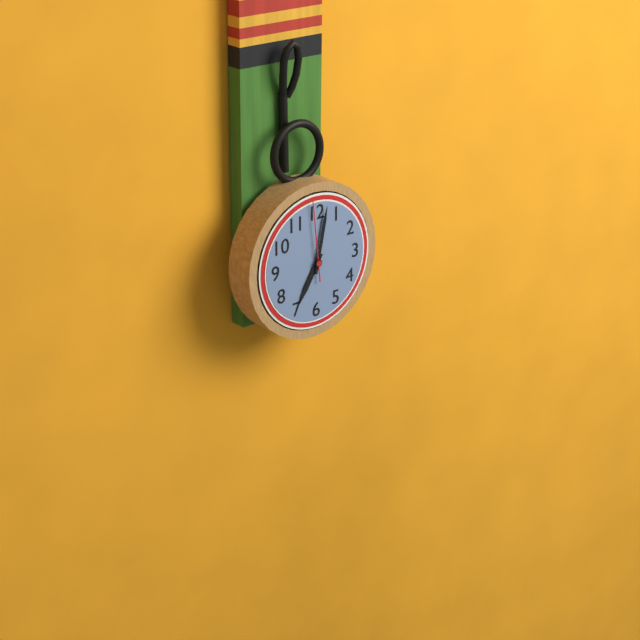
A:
7,02,59
